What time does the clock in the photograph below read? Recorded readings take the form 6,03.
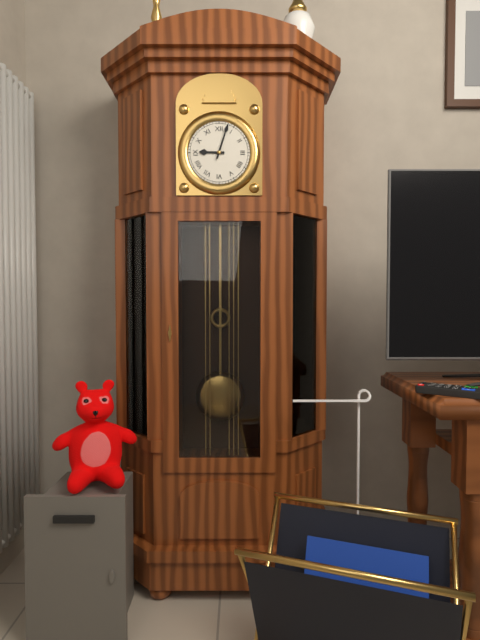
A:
9,03
